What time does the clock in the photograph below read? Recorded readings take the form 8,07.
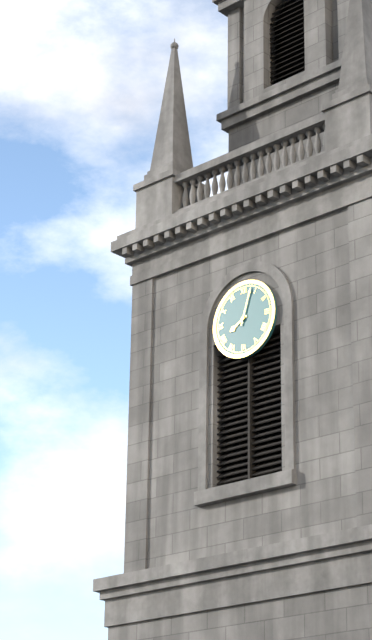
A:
8,03
